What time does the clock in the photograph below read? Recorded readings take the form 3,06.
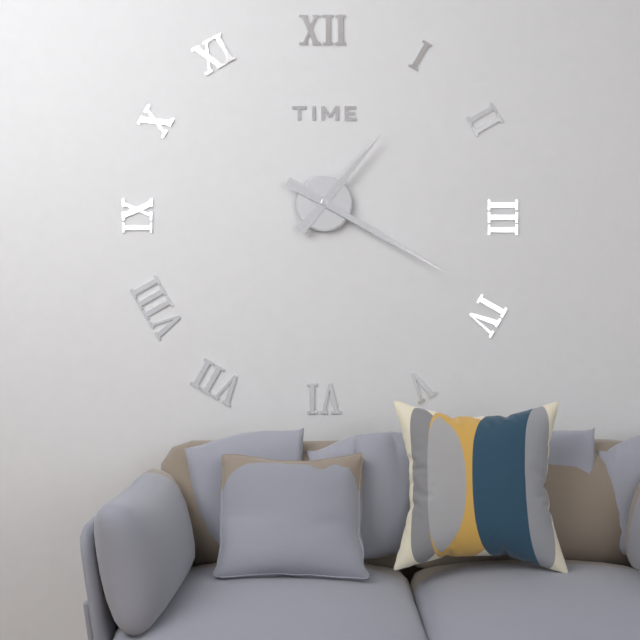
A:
1,20
